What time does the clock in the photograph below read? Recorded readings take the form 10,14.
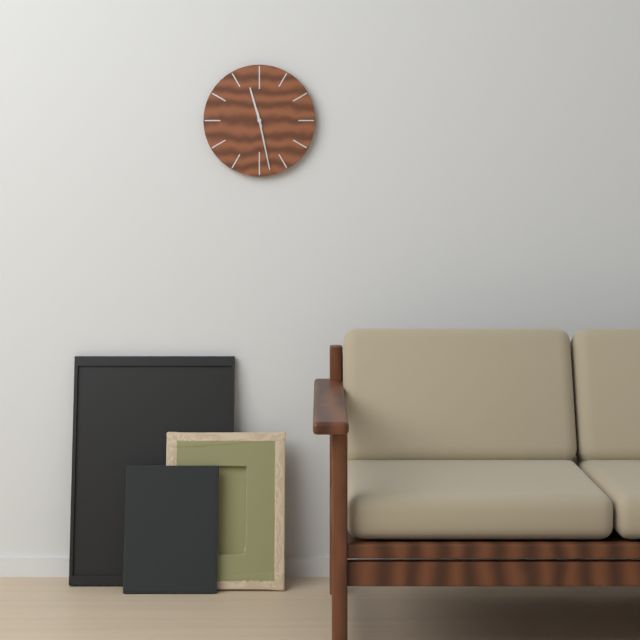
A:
11,28
